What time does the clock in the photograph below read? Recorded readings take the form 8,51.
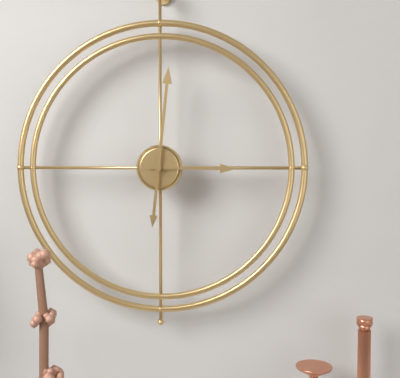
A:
3,01
